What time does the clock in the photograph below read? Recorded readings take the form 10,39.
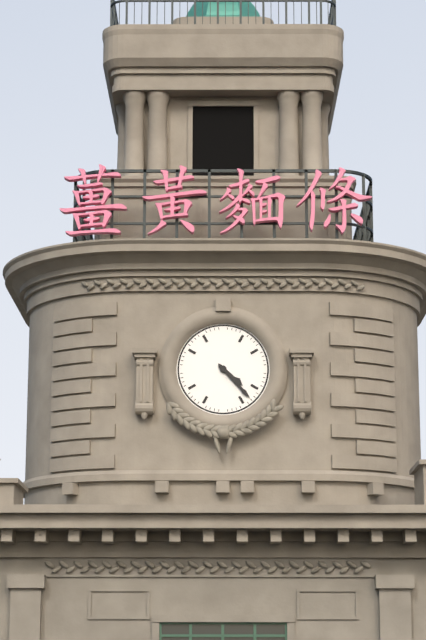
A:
4,23
